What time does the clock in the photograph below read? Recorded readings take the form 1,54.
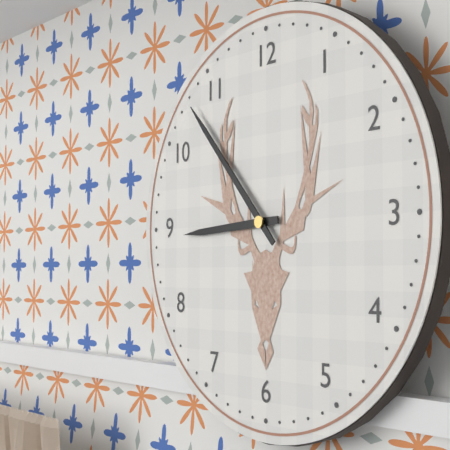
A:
8,53
